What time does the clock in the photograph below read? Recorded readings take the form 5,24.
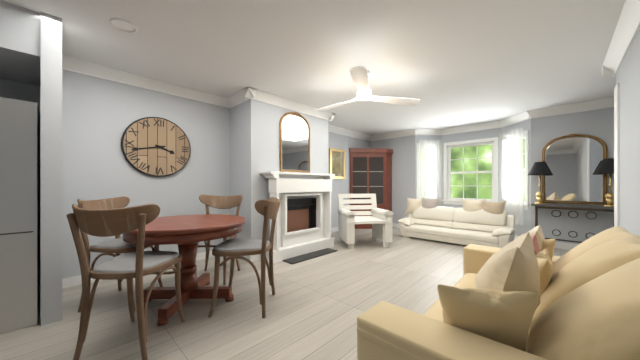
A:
3,43
